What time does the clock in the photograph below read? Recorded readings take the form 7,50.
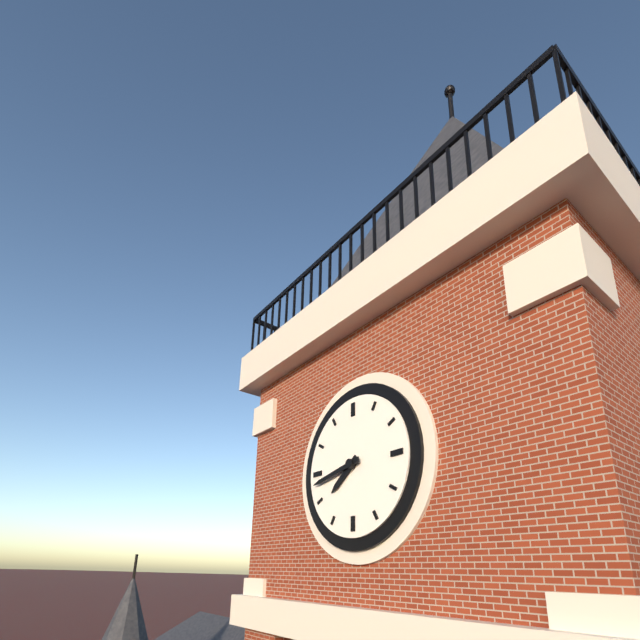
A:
7,43
